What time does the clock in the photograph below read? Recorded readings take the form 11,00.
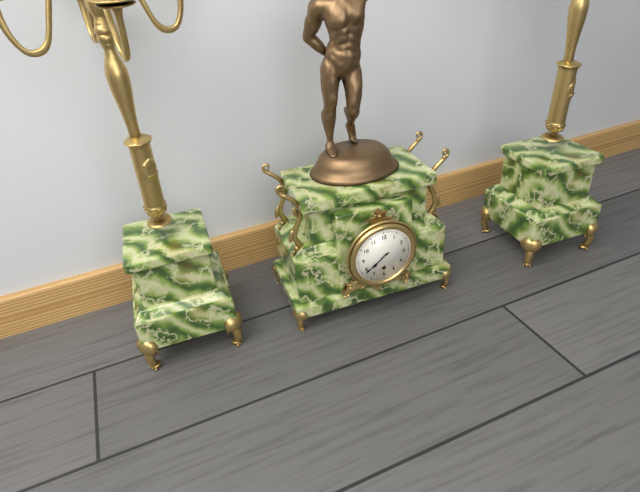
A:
7,39
